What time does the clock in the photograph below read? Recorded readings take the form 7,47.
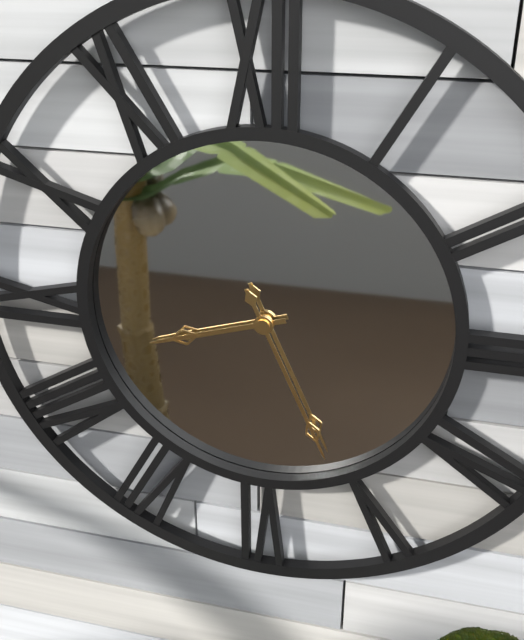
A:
8,26
